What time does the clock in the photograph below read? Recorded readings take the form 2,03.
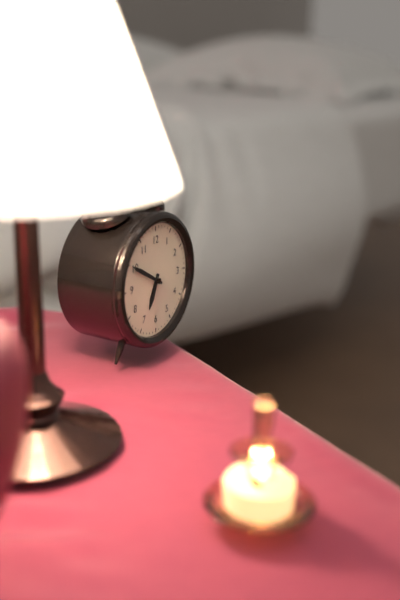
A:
6,50
